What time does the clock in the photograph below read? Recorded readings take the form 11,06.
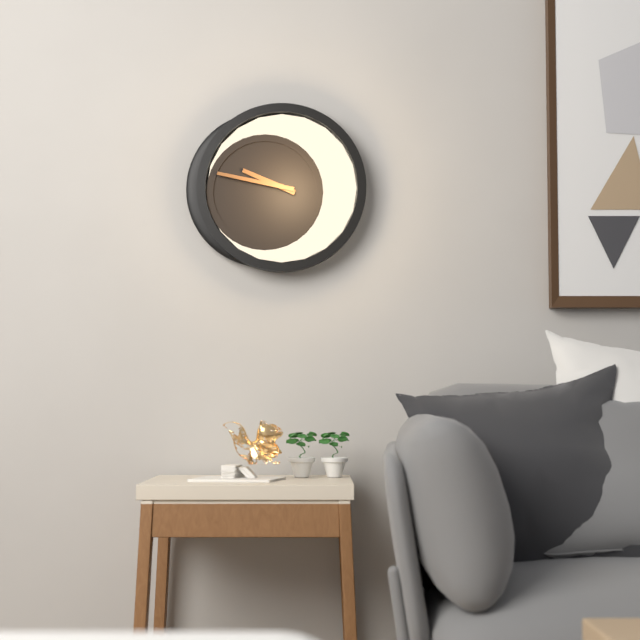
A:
9,47
